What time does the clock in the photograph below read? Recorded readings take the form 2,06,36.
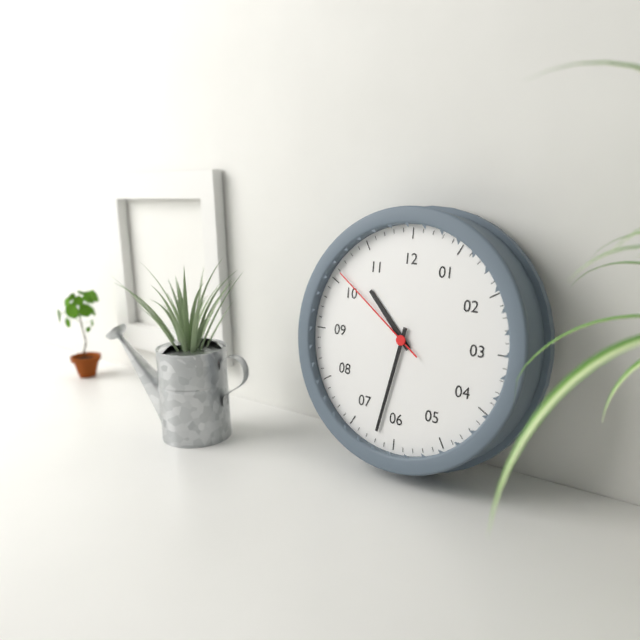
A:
10,32,51
